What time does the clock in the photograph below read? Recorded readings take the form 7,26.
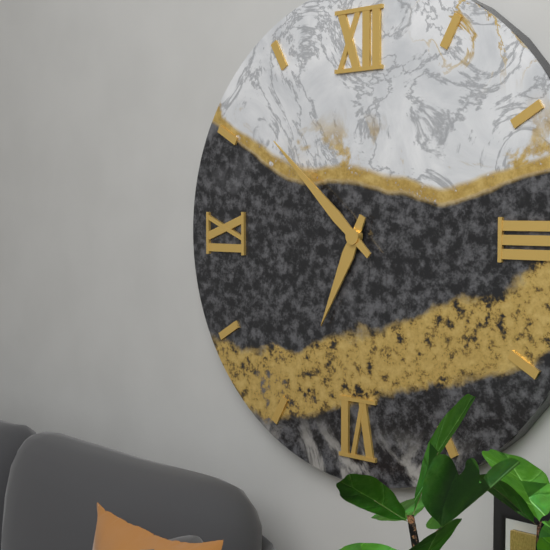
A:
6,52
